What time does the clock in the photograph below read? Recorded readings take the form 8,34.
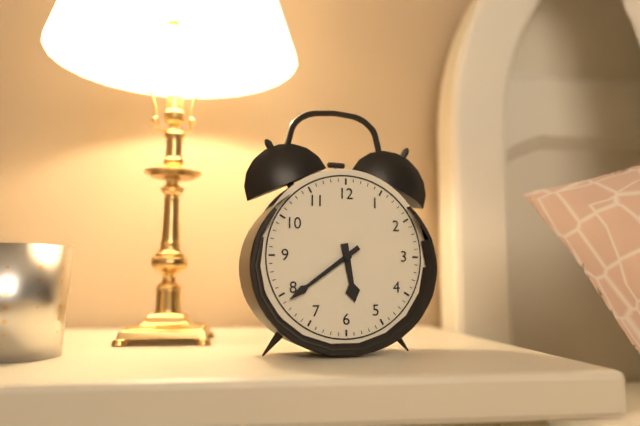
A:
5,39
